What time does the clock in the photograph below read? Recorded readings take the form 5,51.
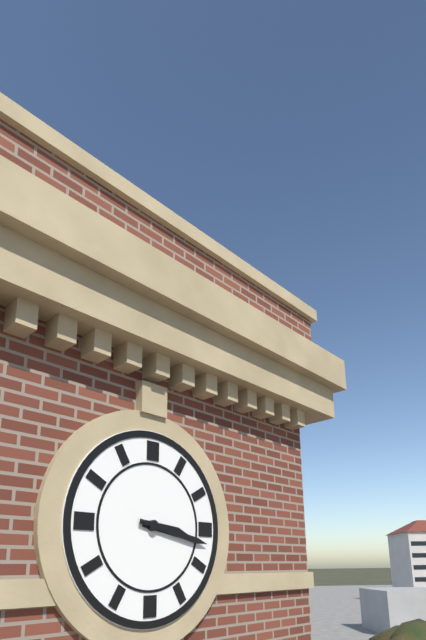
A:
3,17
